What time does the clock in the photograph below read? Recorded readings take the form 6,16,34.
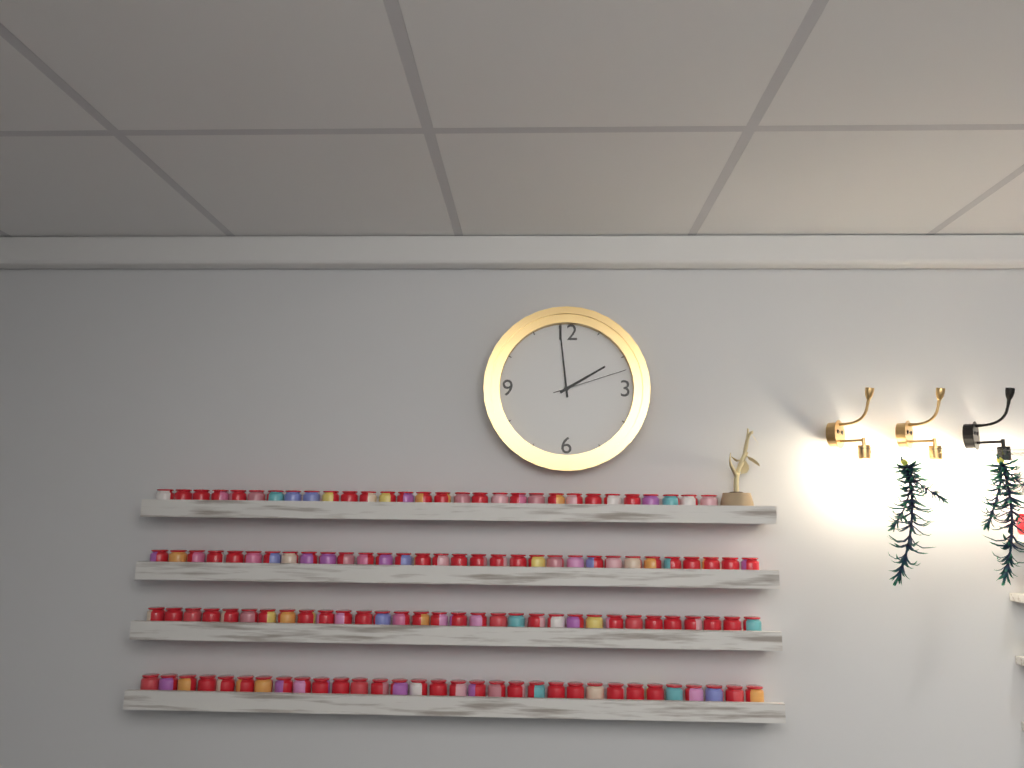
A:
1,59,12
